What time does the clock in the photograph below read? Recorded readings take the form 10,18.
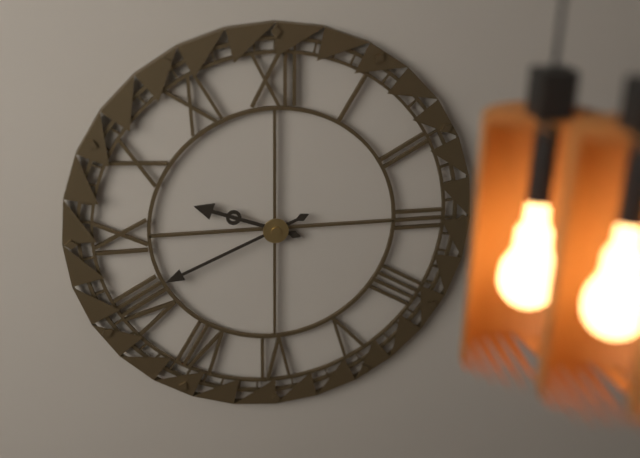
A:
9,41
